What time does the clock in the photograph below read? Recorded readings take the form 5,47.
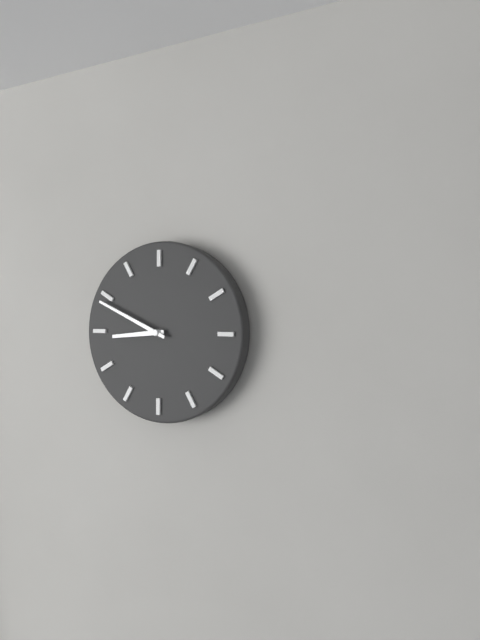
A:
8,49
